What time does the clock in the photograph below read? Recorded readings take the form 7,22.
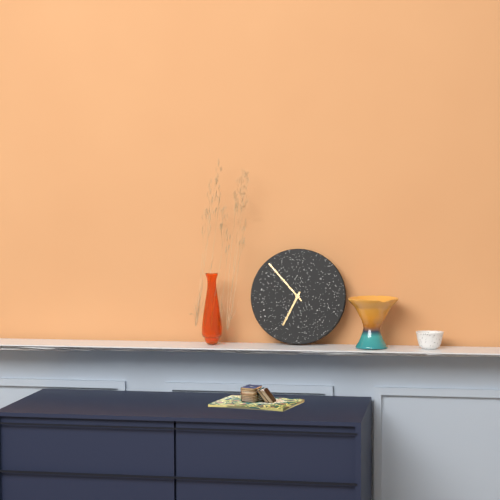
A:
6,53
